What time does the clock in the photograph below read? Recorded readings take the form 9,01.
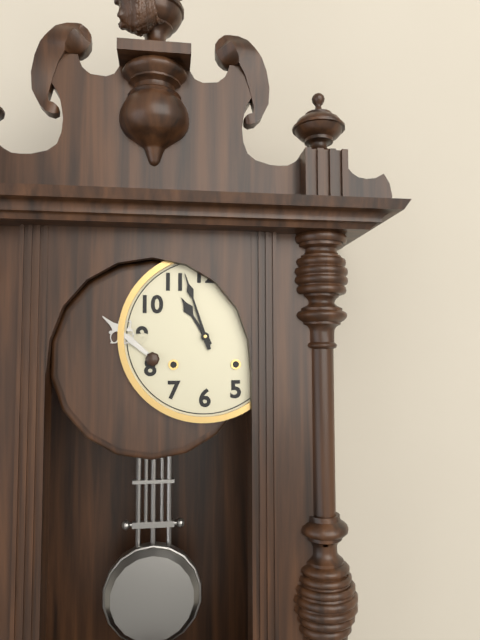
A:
10,57
